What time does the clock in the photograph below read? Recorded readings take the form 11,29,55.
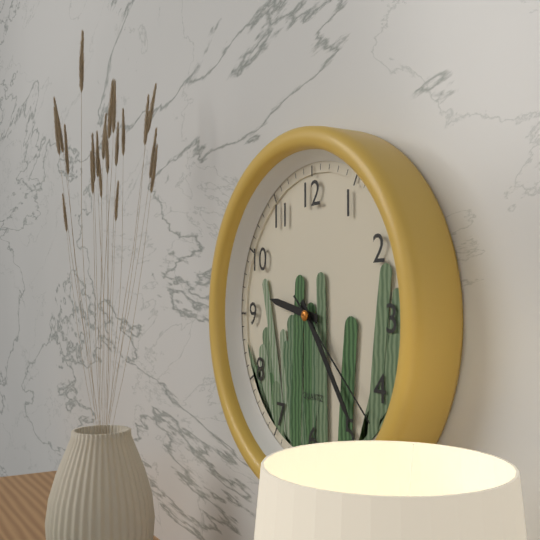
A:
9,24,22
